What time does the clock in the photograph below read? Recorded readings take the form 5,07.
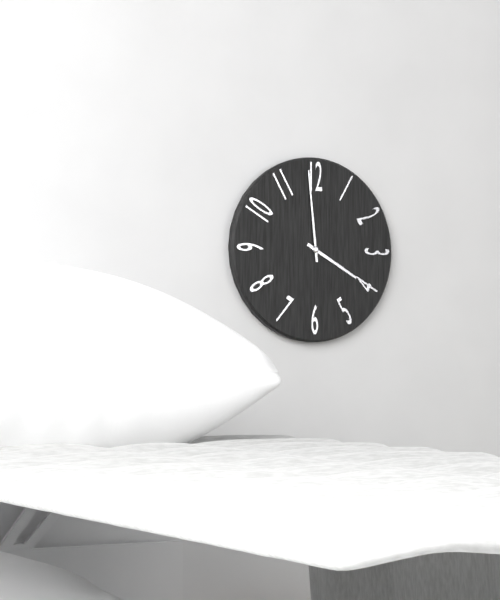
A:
3,59
